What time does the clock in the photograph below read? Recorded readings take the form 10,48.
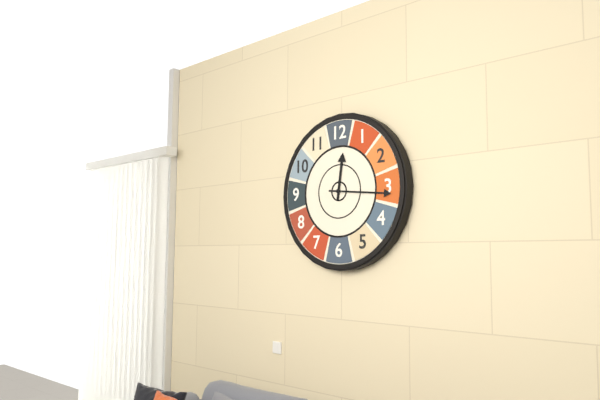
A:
12,16
